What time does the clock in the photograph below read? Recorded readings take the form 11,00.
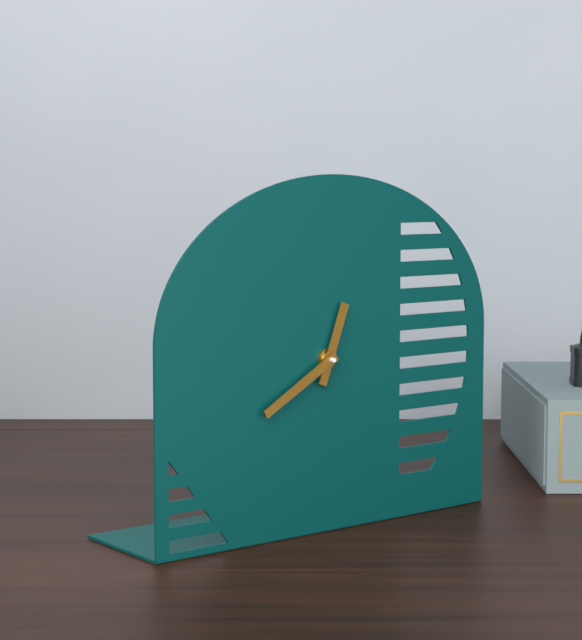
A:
12,40
